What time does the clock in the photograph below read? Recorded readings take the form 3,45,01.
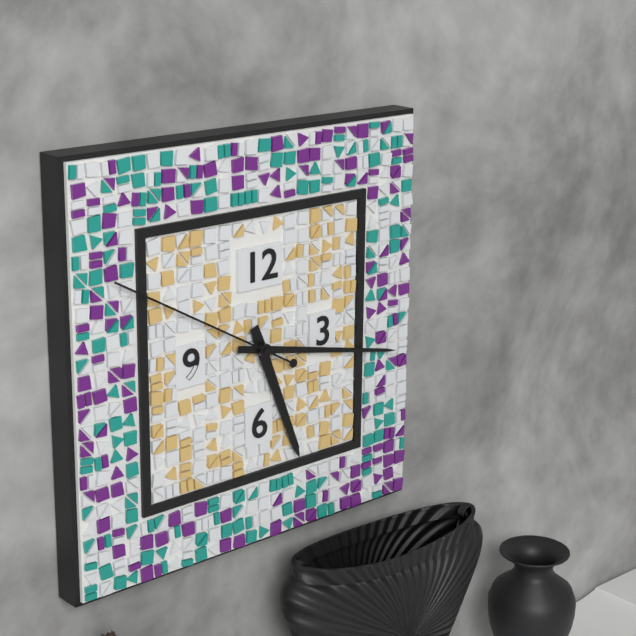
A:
5,17,50
